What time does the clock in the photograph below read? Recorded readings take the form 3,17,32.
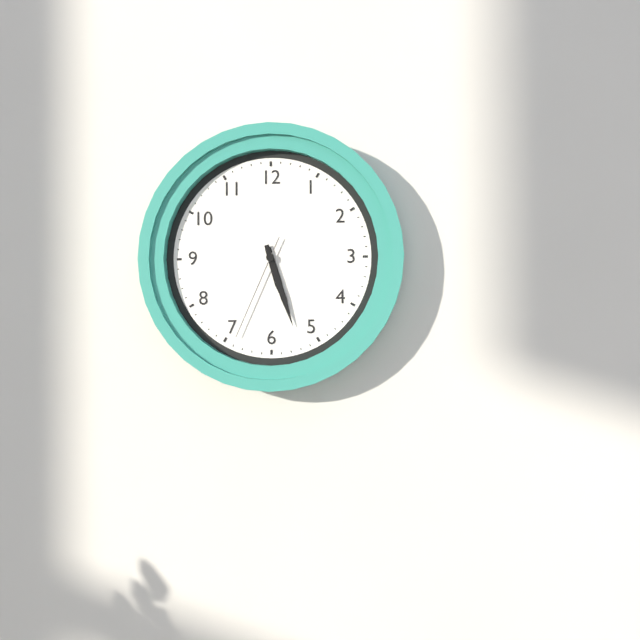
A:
5,27,34
